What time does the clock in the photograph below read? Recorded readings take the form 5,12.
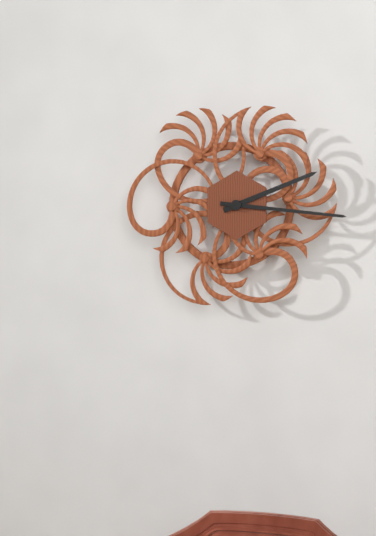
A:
2,16
